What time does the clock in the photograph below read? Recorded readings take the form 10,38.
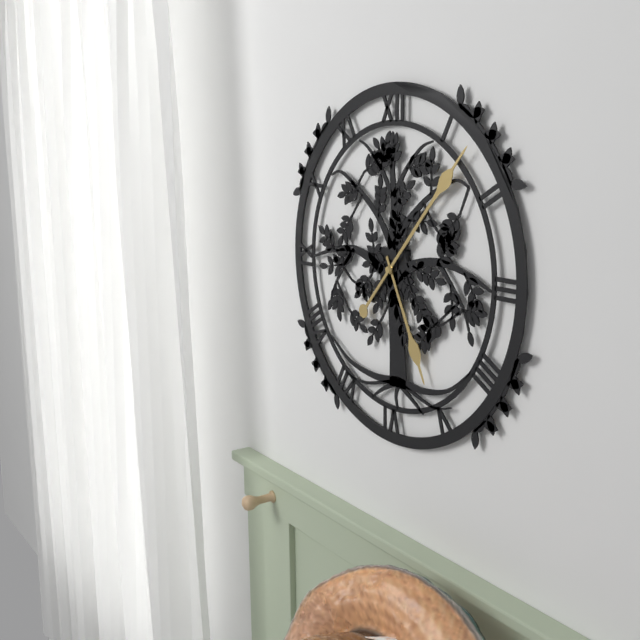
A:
5,07
